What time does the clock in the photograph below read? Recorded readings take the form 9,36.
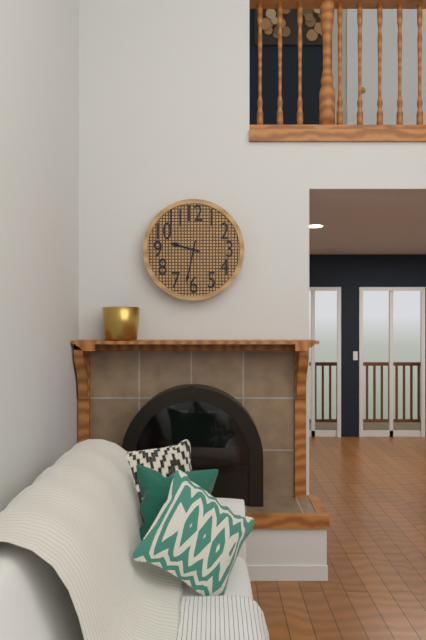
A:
9,32
